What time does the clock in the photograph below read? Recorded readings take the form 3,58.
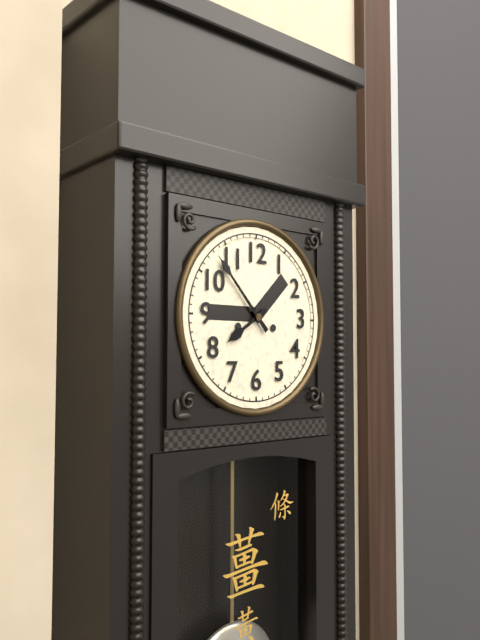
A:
7,53
